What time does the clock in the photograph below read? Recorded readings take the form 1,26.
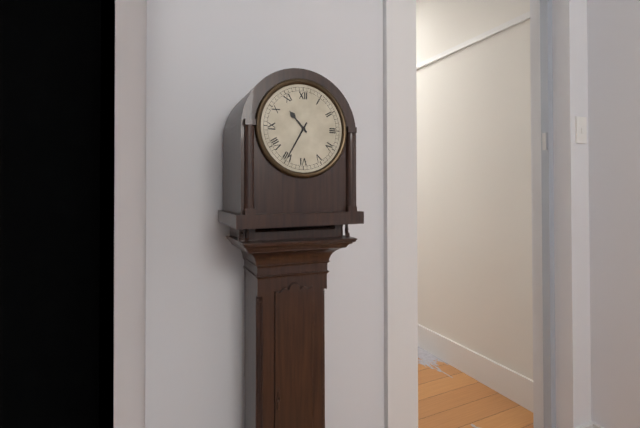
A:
10,35
